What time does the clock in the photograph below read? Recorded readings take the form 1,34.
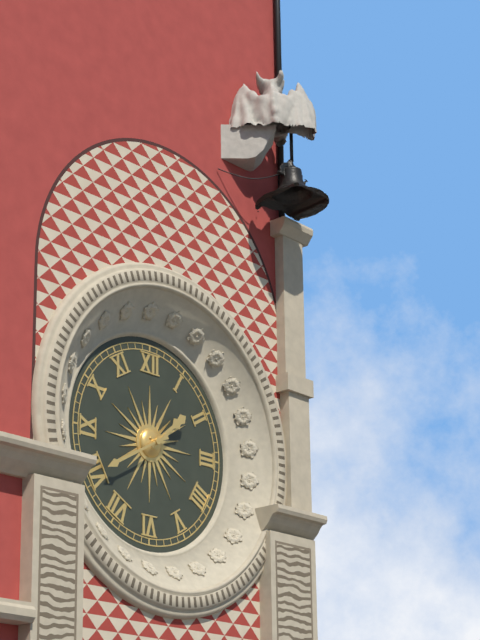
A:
1,40
